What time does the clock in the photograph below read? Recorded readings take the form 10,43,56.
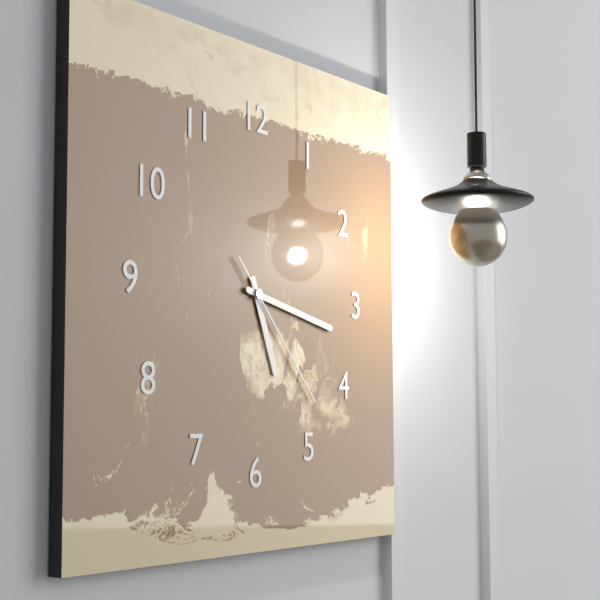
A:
5,17,23
